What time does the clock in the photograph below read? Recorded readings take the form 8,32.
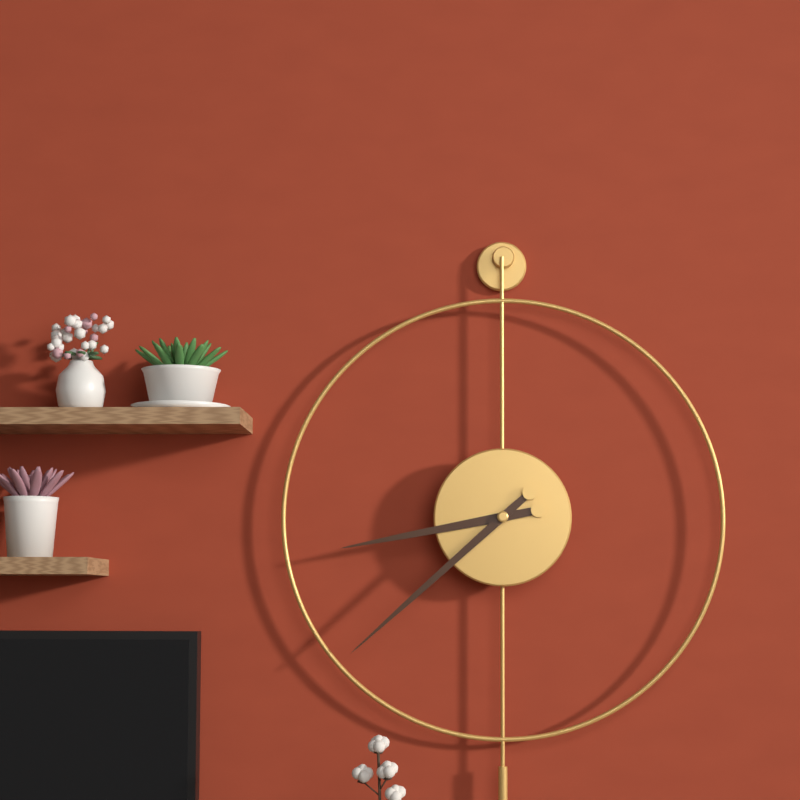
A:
8,38
